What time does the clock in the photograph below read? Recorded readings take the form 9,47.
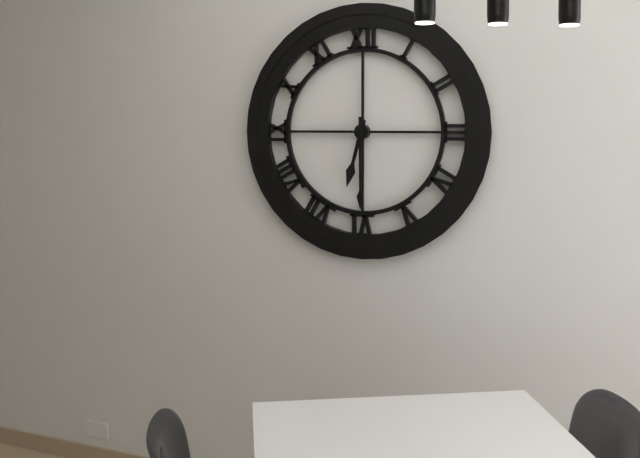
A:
6,30
